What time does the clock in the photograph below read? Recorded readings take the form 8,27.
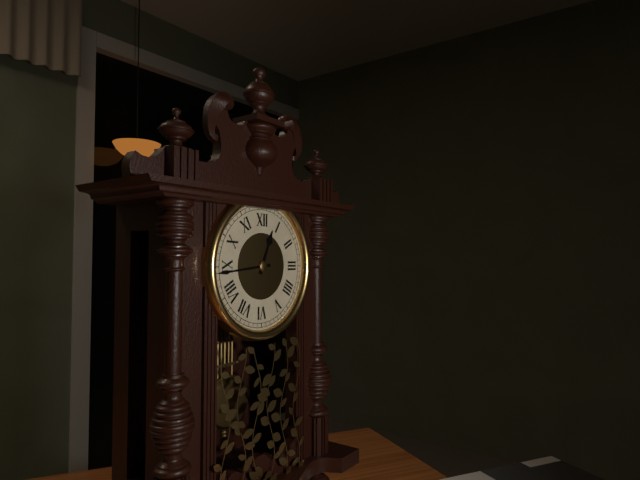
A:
12,44
